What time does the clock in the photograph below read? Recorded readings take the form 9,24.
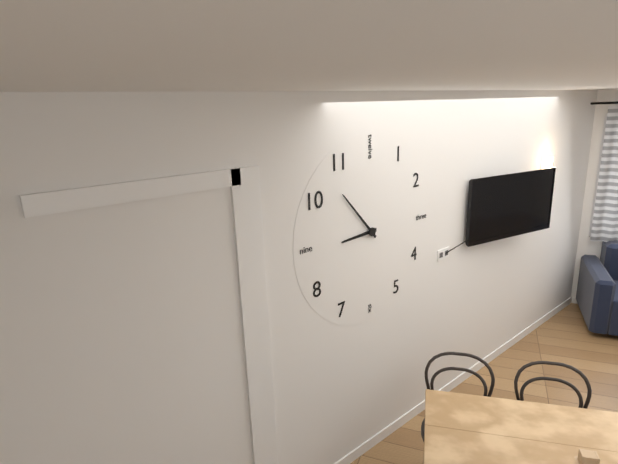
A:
8,53
